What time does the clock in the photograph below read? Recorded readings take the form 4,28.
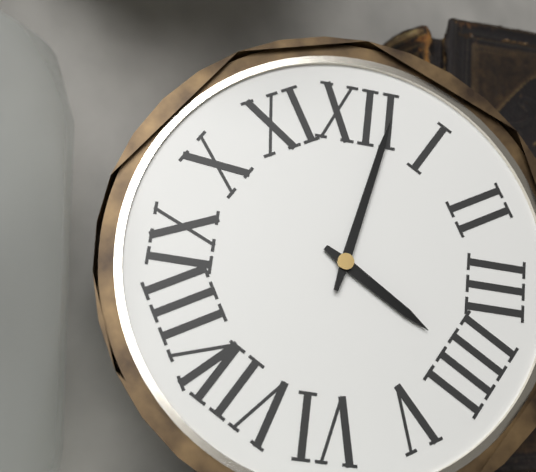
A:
4,02
